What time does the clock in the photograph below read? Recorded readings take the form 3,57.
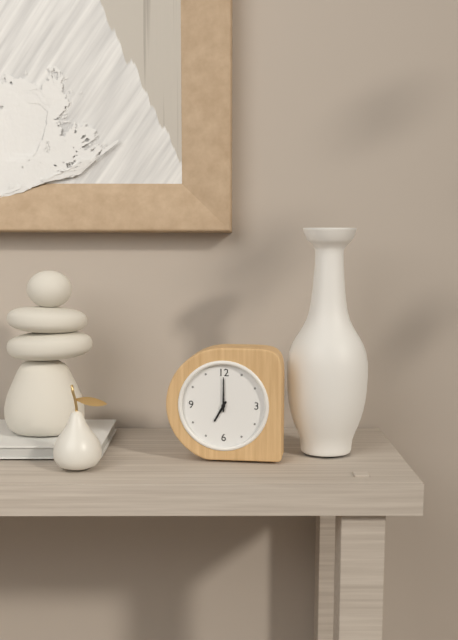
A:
7,00
